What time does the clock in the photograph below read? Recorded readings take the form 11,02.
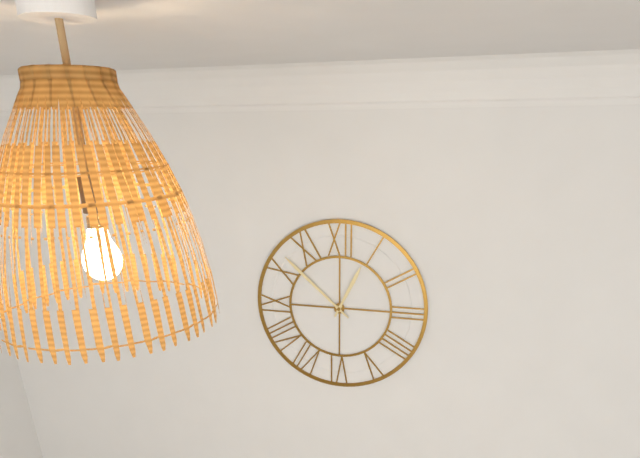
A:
12,52
